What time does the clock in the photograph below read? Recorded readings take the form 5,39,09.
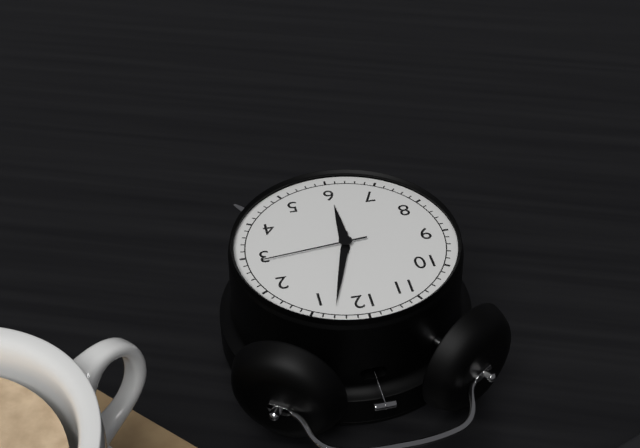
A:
6,03,14
